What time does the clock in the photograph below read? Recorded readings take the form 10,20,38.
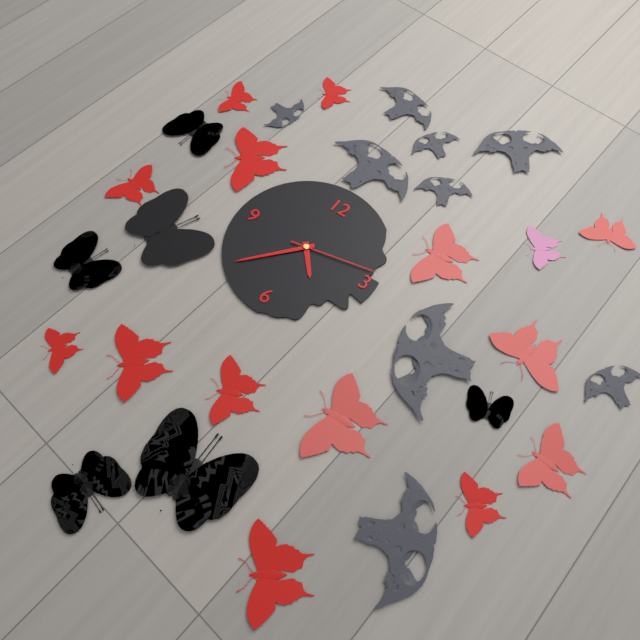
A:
4,37,13
